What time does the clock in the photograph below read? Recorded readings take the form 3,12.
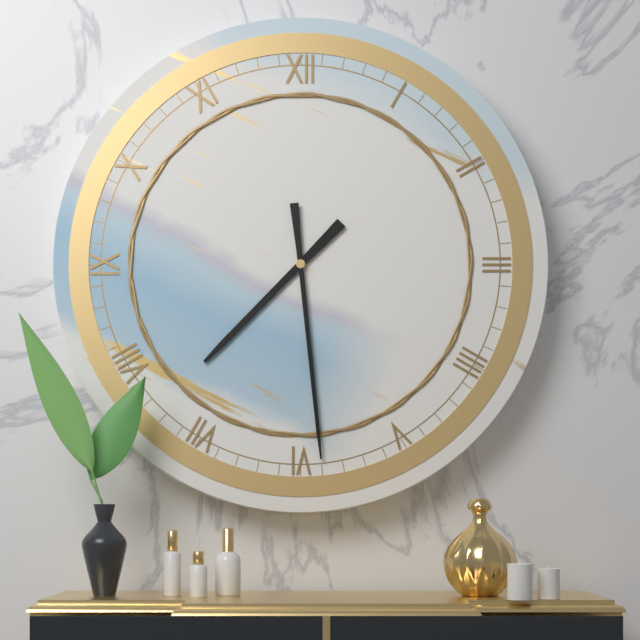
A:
7,29
